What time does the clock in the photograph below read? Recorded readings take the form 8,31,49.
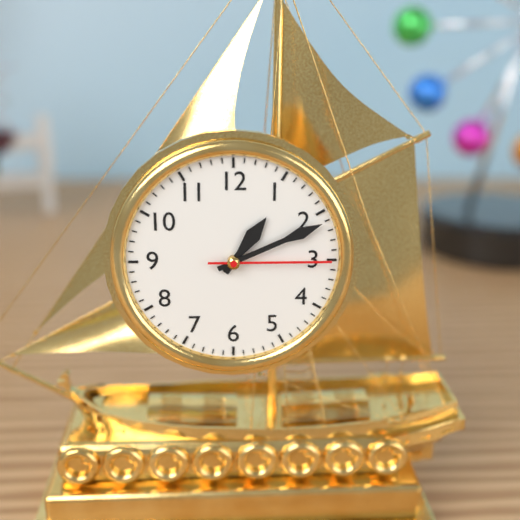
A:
1,11,15
